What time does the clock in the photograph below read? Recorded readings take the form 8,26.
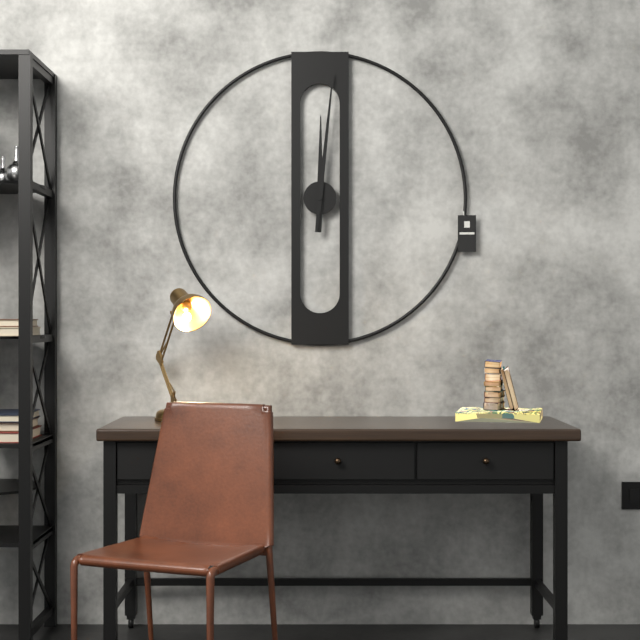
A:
12,01
